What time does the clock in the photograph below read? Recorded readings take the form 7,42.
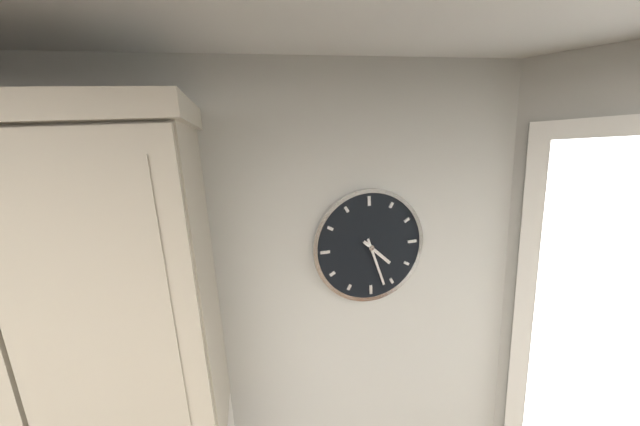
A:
4,27
